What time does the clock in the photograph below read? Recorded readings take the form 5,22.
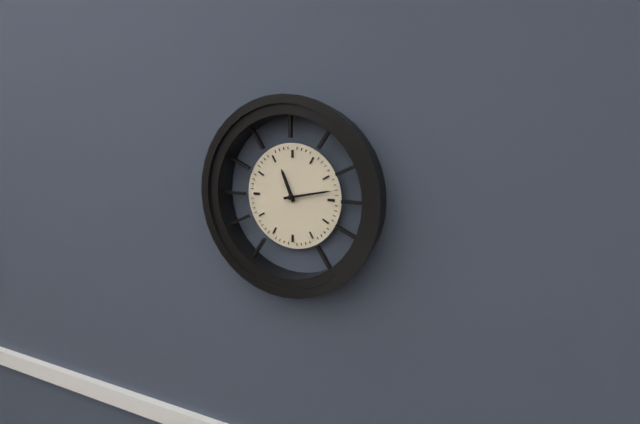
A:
11,13
